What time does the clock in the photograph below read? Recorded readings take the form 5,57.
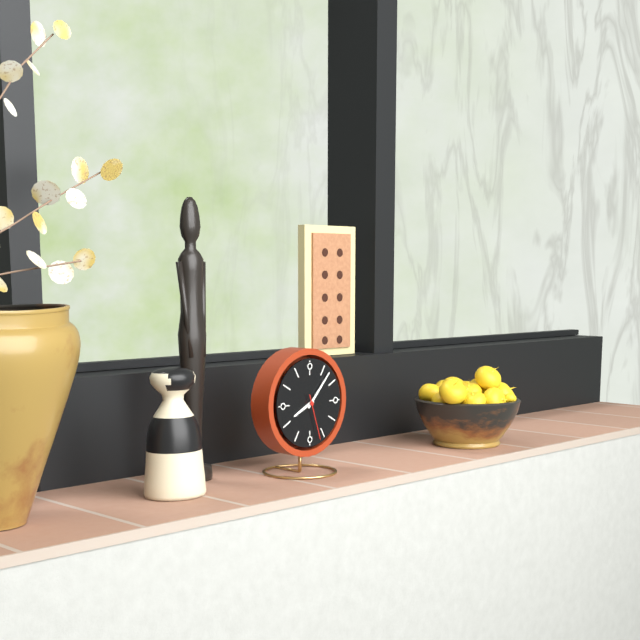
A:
8,07
